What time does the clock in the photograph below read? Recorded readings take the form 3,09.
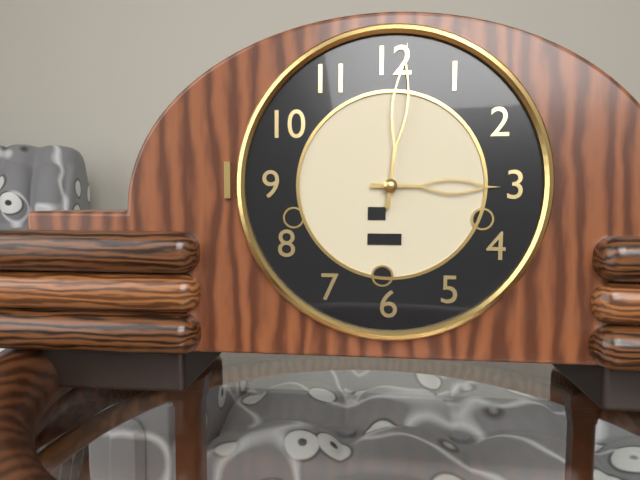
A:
3,01
